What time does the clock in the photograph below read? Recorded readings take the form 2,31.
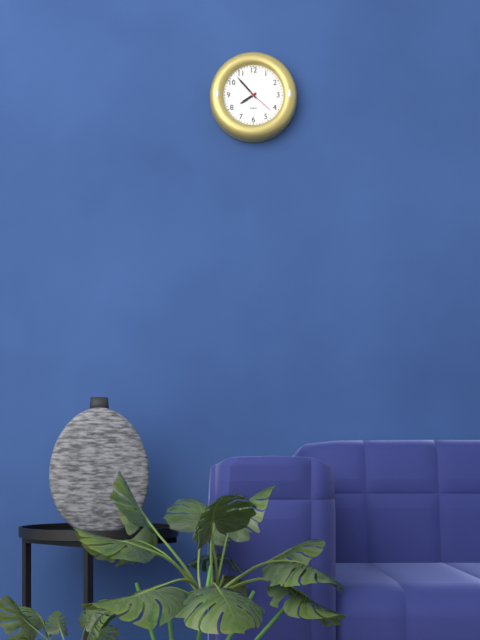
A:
7,53
